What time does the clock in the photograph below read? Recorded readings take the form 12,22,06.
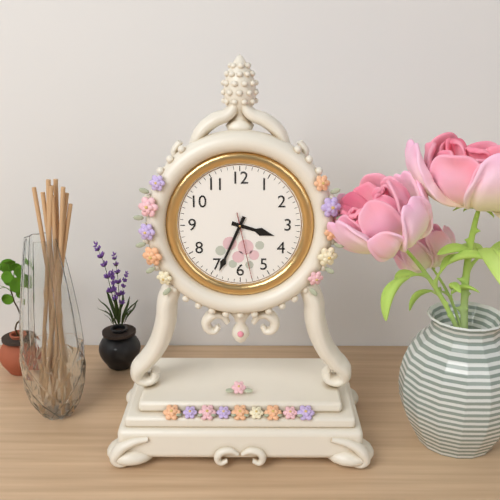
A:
3,34,28
